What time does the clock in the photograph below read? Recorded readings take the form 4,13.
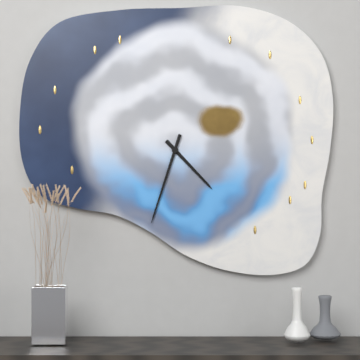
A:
4,33
